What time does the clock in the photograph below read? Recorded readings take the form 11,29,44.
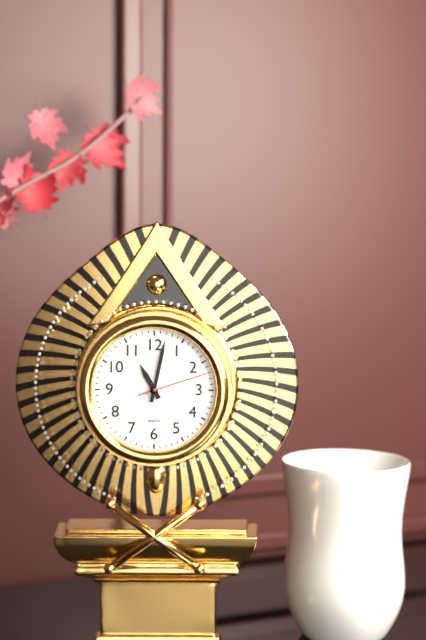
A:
11,02,12
